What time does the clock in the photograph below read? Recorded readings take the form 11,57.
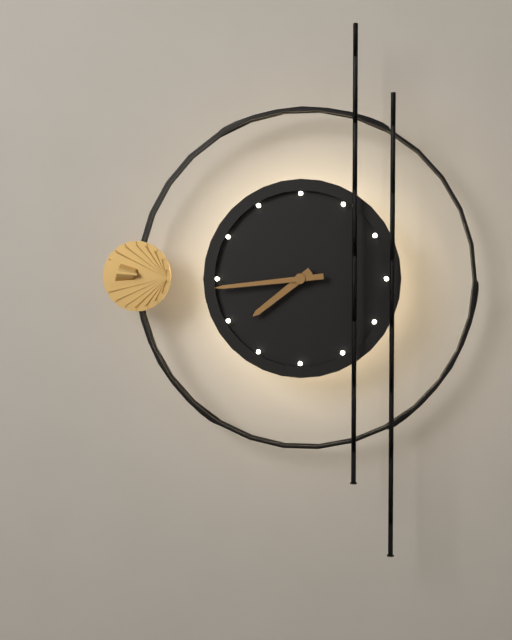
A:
7,44
